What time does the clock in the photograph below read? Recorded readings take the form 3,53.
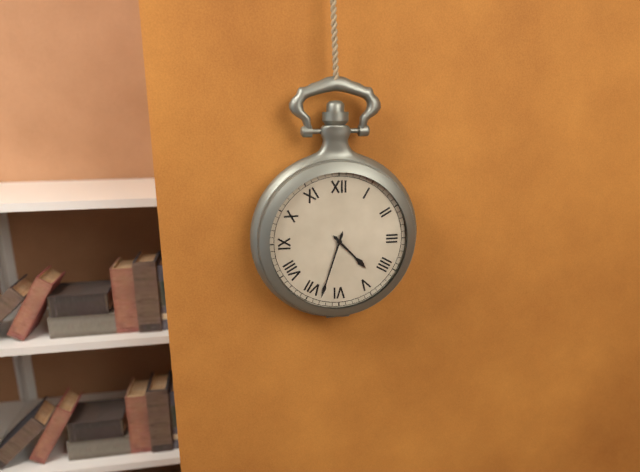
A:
4,33
